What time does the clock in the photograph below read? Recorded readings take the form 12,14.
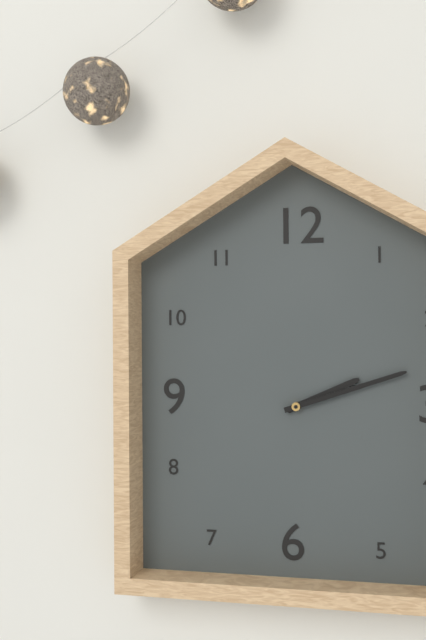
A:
2,12
